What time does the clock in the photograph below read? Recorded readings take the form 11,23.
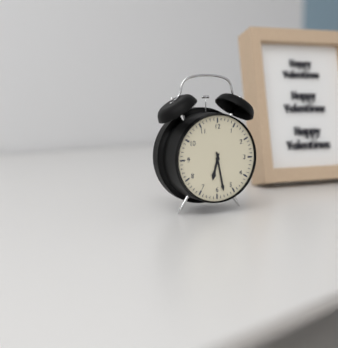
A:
6,28
